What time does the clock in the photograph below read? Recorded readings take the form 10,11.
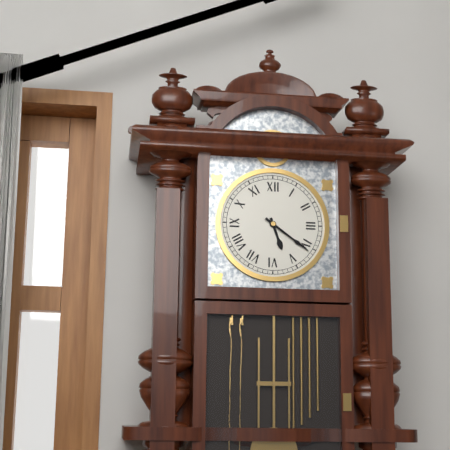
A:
5,21
